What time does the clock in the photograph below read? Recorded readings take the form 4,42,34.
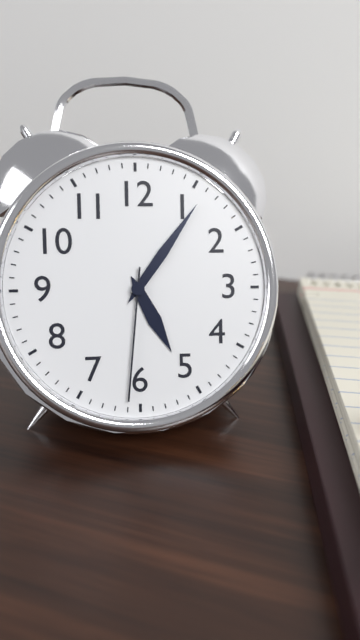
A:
5,06,31
